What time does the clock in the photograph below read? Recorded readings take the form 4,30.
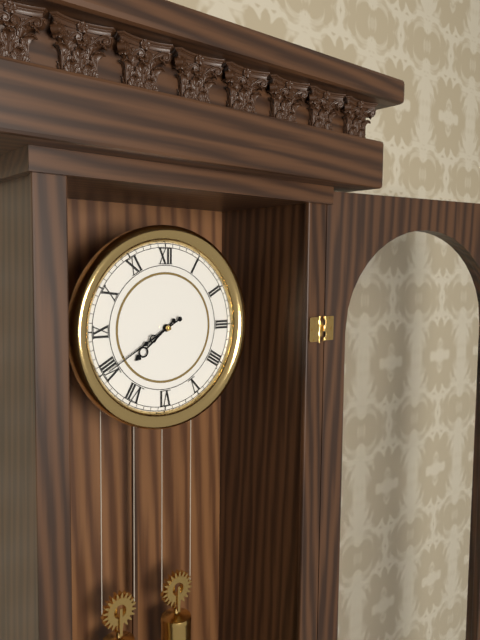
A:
7,40
